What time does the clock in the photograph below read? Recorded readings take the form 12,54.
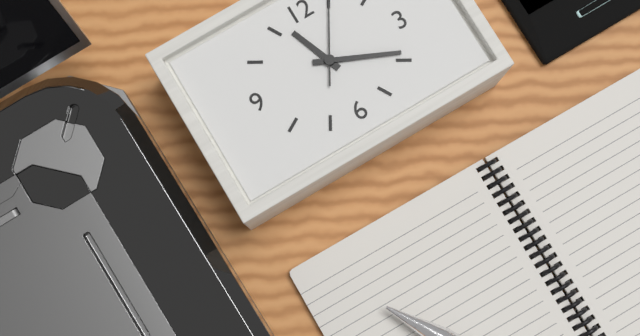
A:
11,19
